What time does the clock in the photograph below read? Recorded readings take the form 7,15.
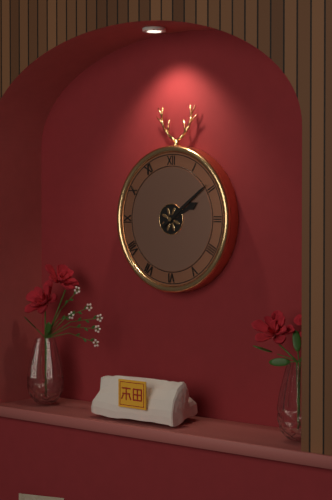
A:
2,09
